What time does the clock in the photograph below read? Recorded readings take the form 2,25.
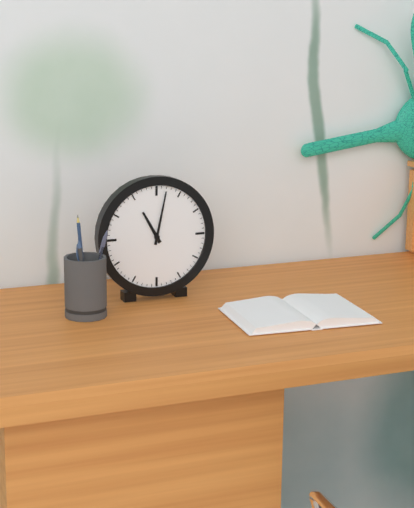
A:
11,02
